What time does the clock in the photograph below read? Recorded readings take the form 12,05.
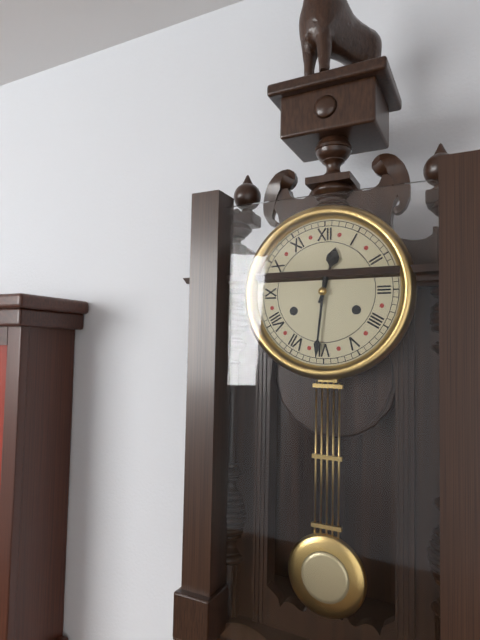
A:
12,31
